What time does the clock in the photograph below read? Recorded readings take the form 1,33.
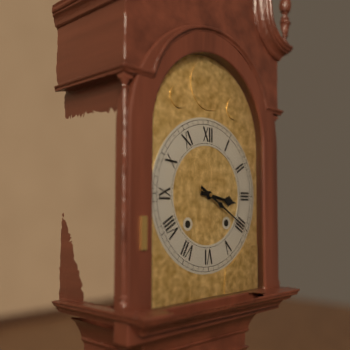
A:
3,20
